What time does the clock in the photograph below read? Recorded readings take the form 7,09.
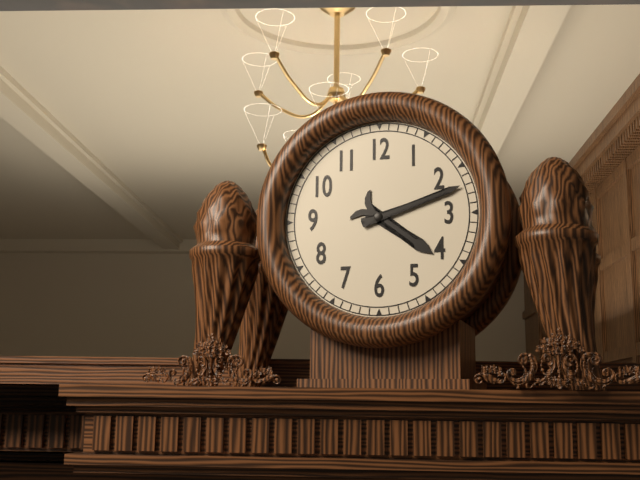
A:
4,12
